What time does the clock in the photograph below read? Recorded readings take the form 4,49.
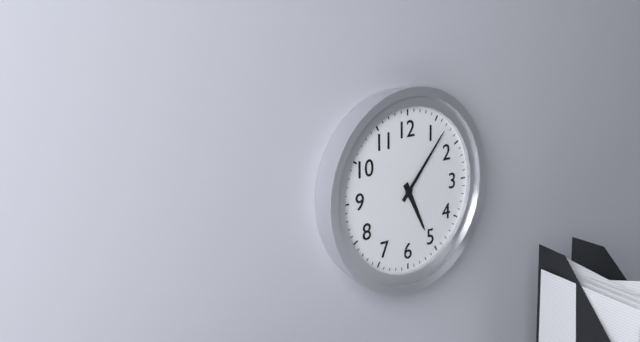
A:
5,07
